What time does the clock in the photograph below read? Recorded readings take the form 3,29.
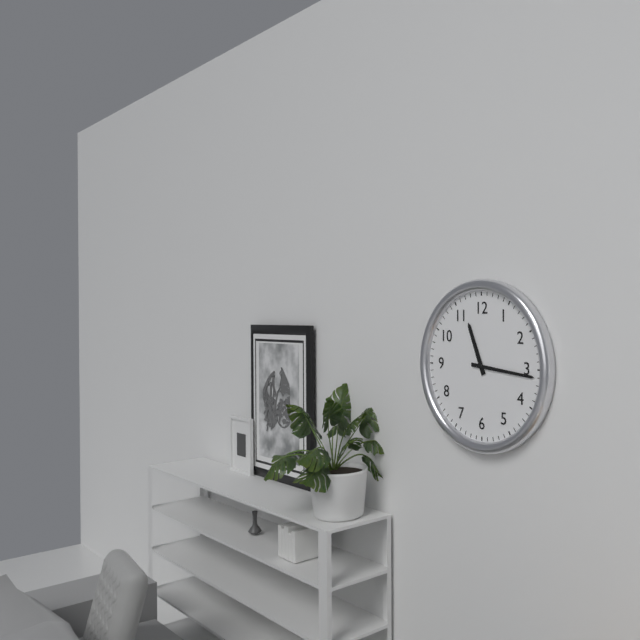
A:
11,16
